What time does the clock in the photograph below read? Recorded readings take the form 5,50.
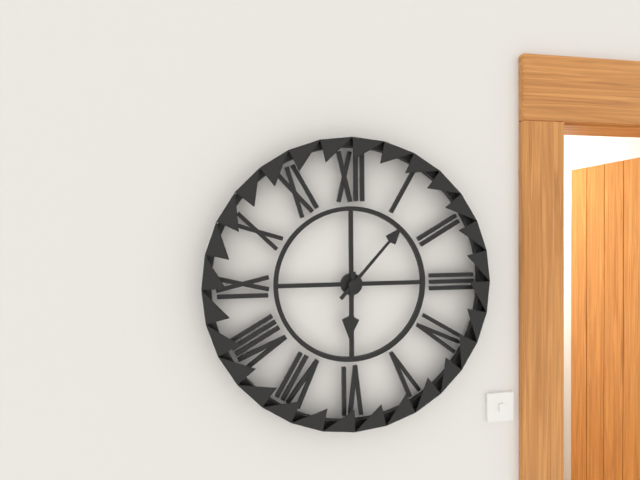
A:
6,07
